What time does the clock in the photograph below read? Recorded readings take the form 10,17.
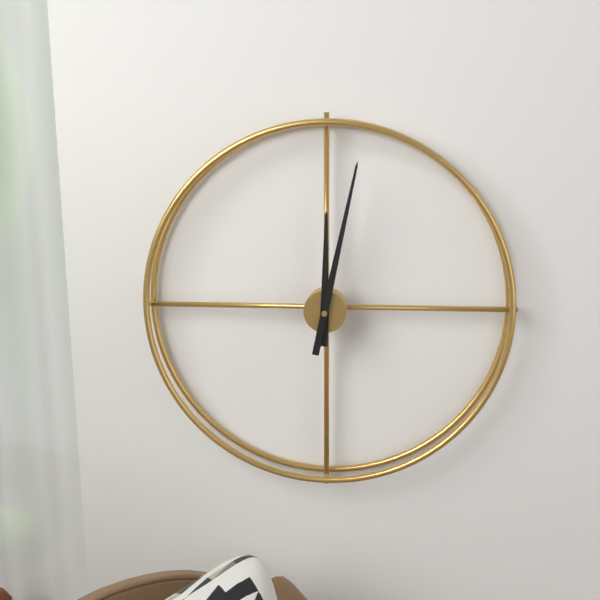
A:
12,02
